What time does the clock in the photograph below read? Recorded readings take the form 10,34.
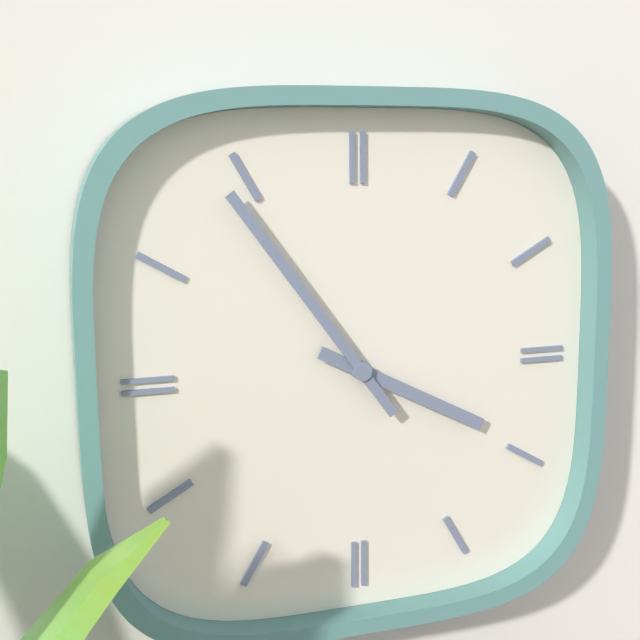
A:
3,54
